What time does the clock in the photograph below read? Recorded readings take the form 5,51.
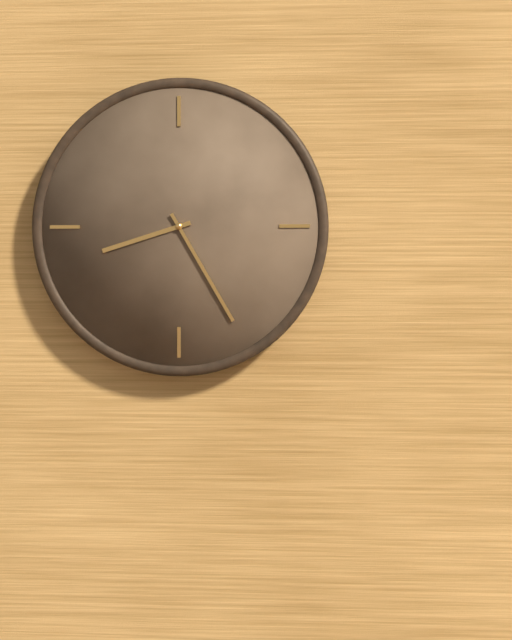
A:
8,25
